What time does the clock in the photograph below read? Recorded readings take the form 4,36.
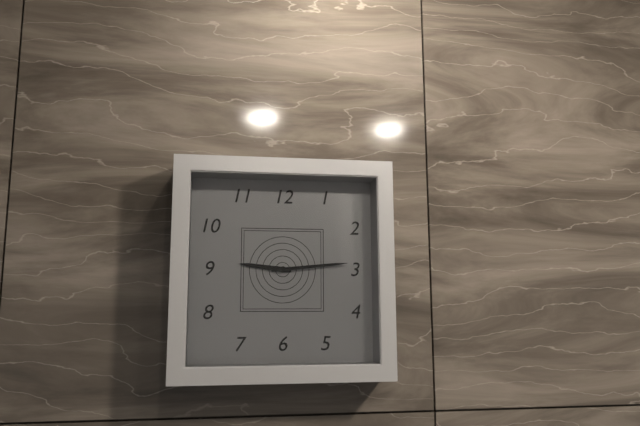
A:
9,14
